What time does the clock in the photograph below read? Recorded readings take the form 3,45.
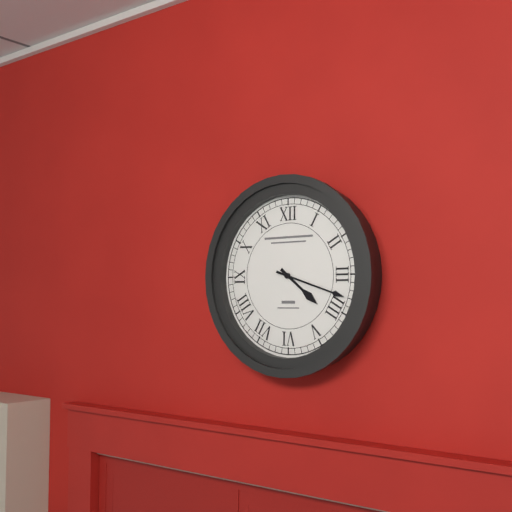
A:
4,18
